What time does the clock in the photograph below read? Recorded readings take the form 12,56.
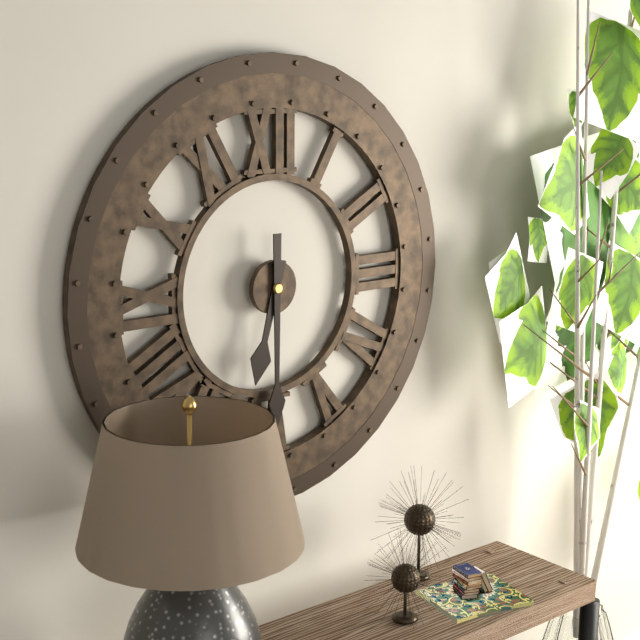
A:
6,30
